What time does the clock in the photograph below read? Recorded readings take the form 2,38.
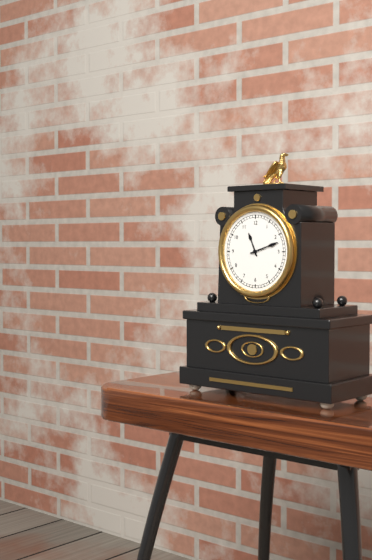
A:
11,12
